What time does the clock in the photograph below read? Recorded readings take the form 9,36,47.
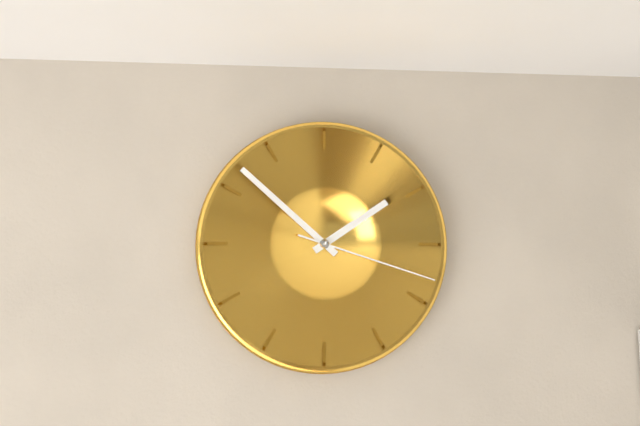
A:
1,52,18
